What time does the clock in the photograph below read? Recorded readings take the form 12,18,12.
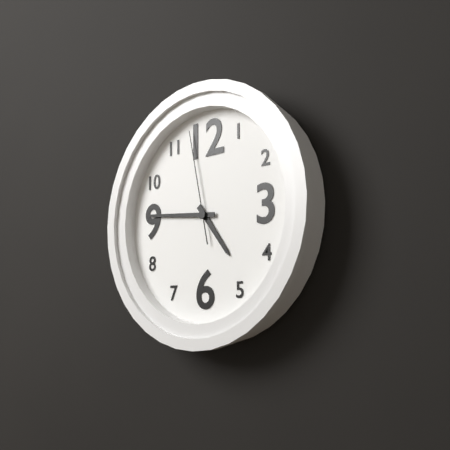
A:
4,46,58
